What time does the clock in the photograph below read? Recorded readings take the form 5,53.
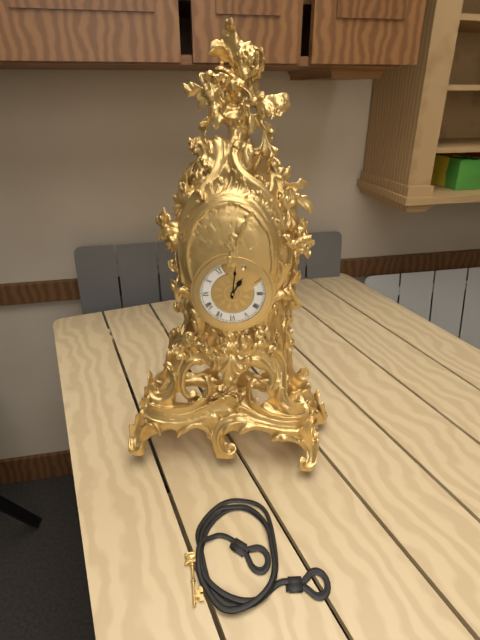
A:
1,01
